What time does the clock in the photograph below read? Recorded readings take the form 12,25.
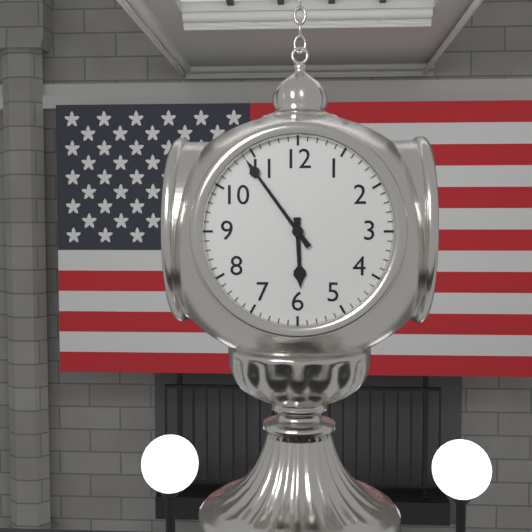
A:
5,54
